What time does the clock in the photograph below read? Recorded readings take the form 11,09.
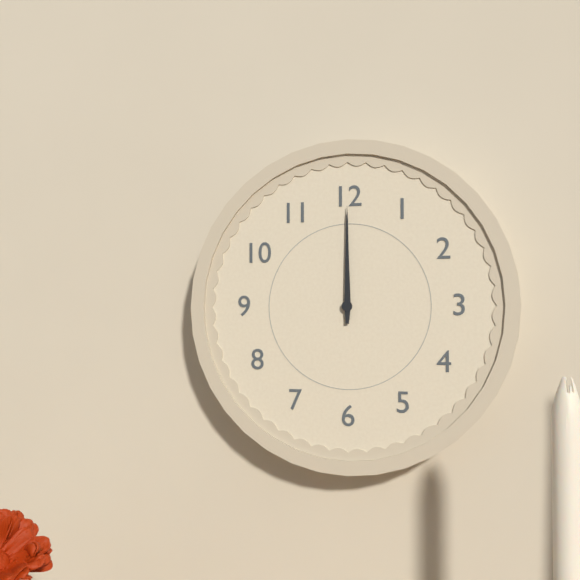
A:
12,00
